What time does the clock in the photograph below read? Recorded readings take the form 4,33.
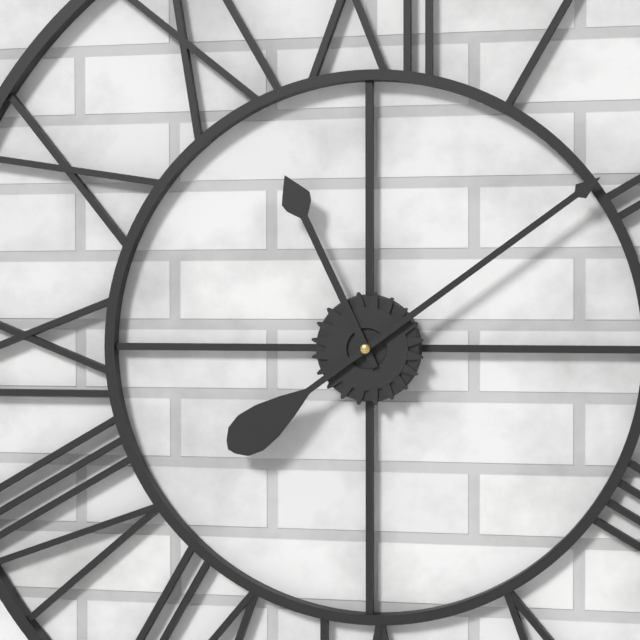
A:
11,09
